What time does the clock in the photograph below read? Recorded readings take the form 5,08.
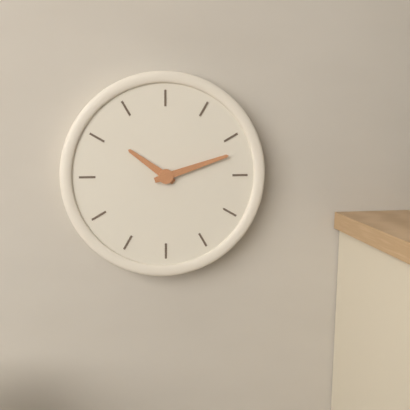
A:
10,12
